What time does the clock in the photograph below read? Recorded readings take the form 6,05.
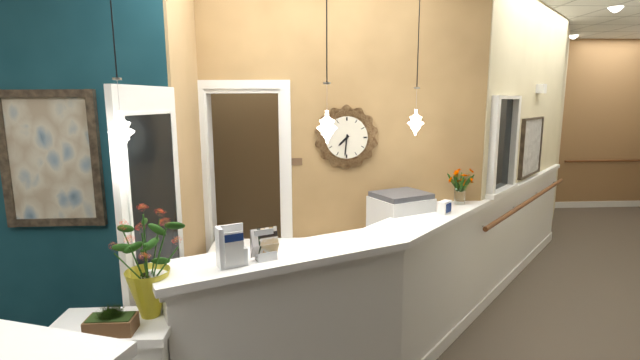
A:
7,31
